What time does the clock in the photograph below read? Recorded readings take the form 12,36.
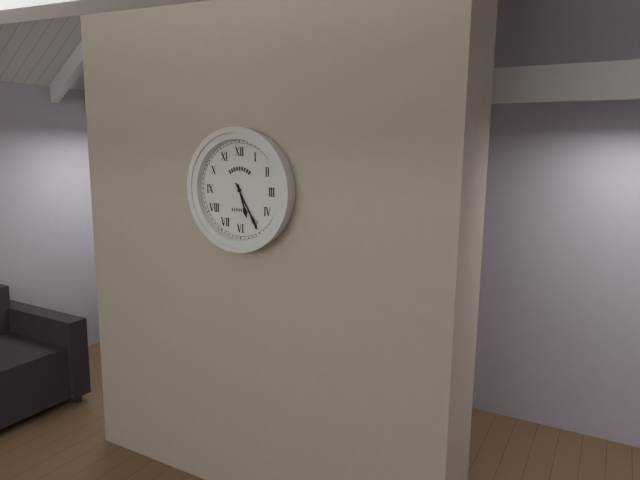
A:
5,25
